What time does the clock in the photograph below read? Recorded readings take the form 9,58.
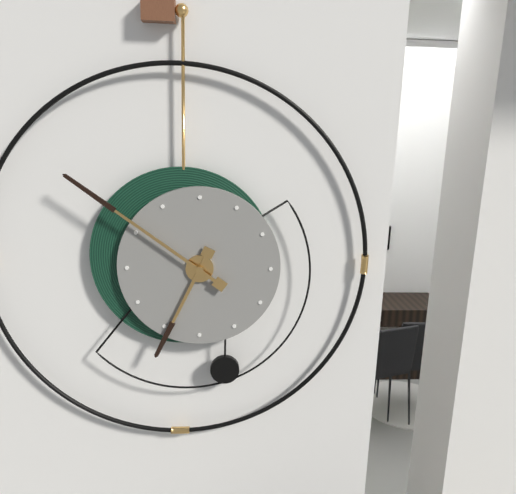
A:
6,51
